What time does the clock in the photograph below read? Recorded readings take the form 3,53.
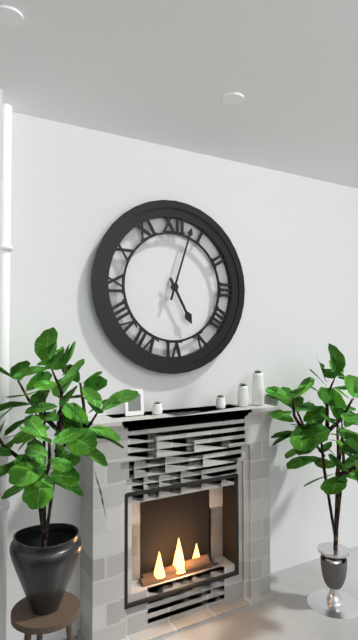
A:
5,03
